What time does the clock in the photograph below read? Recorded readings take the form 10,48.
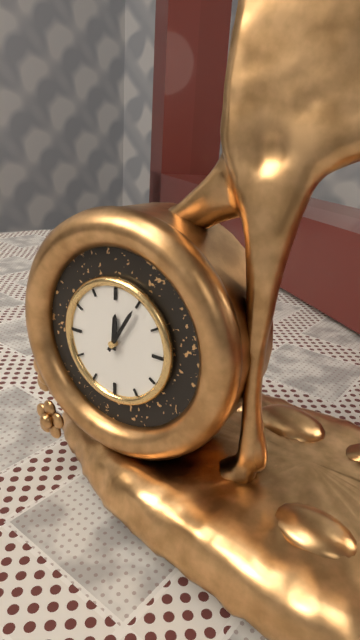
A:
12,05
